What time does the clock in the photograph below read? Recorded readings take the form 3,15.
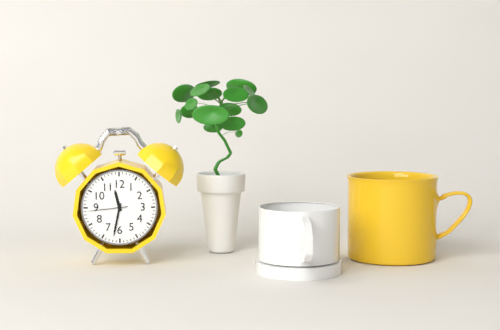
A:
11,32
